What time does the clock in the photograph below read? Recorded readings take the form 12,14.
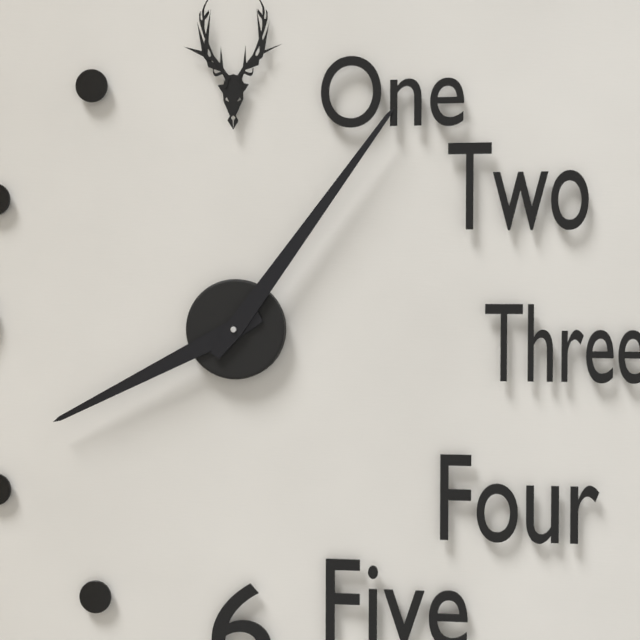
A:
8,06
